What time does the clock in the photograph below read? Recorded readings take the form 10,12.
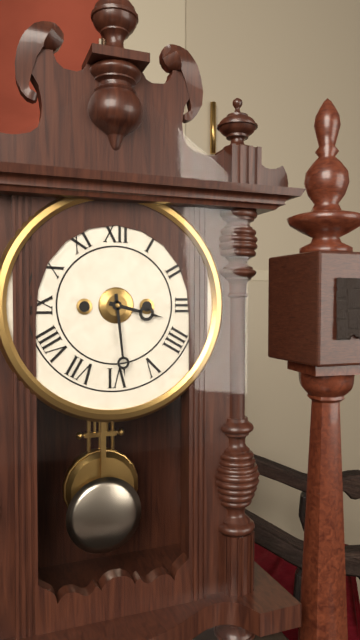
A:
3,29
